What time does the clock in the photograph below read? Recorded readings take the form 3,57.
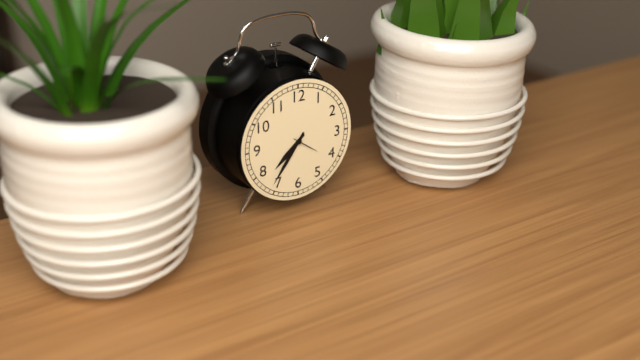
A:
7,36
